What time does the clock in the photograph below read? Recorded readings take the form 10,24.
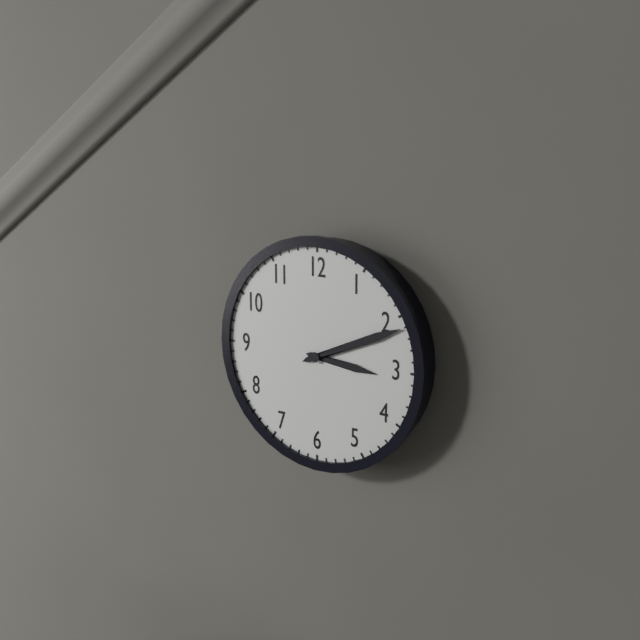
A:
3,11
